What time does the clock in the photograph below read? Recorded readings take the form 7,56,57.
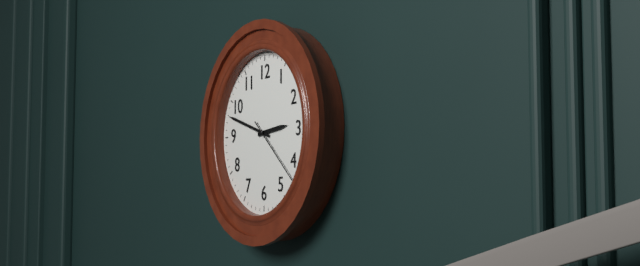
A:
2,48,22
